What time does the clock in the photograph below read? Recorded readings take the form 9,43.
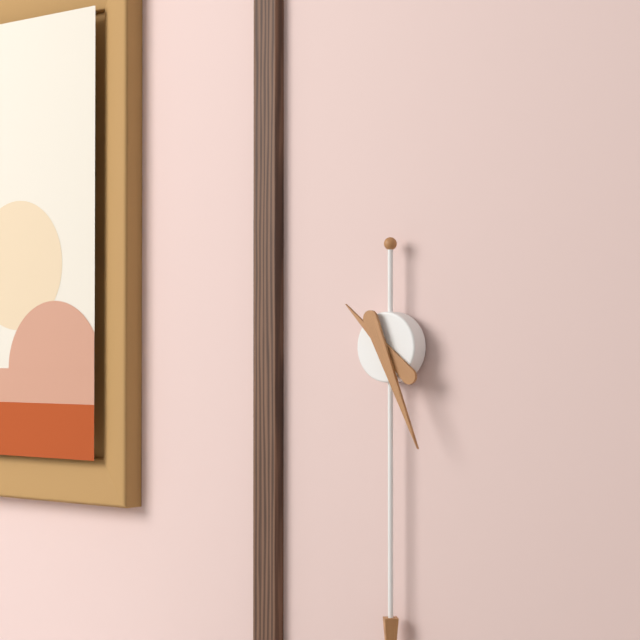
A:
10,26
